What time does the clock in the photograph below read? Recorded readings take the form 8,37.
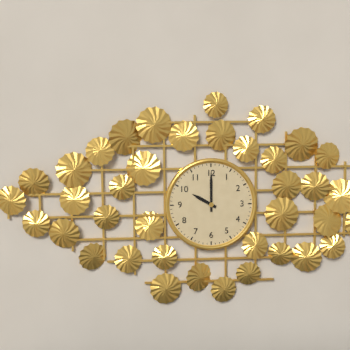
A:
10,00
